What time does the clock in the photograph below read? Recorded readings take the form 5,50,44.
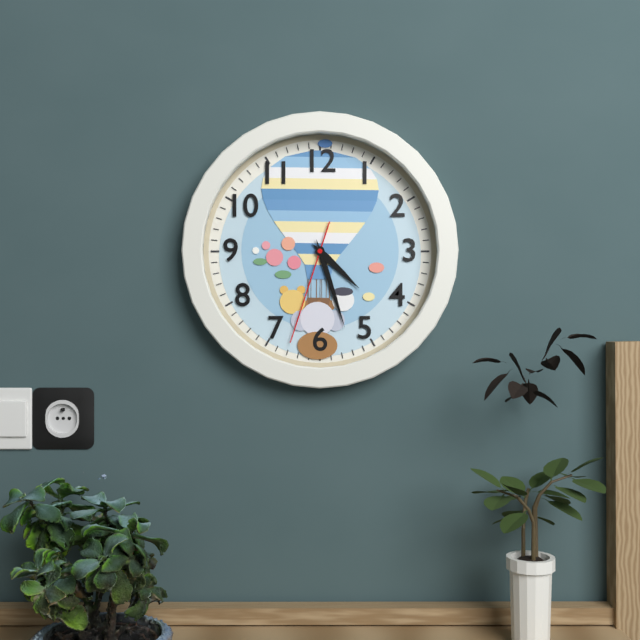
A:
4,27,33
